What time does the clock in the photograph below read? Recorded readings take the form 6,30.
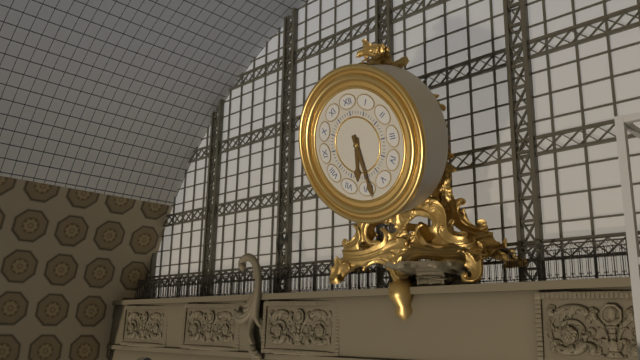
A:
6,29
